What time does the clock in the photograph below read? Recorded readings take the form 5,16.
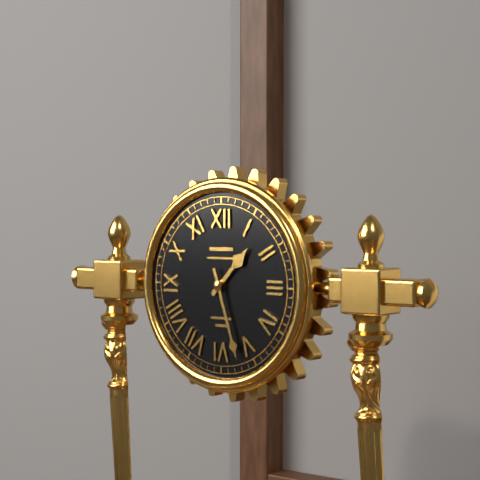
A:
1,27
